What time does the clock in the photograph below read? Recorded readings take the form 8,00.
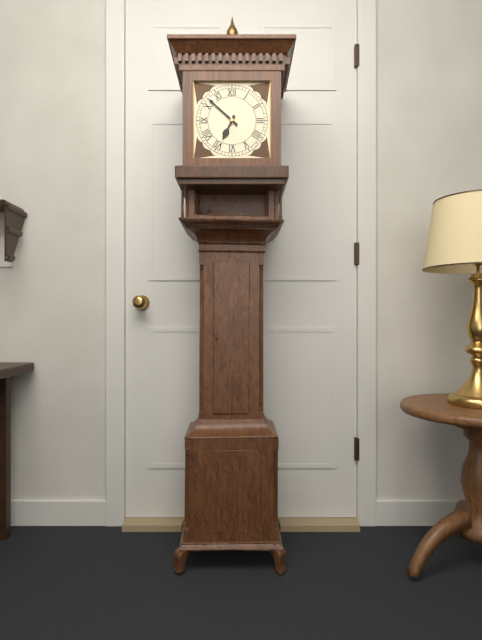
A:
6,52
